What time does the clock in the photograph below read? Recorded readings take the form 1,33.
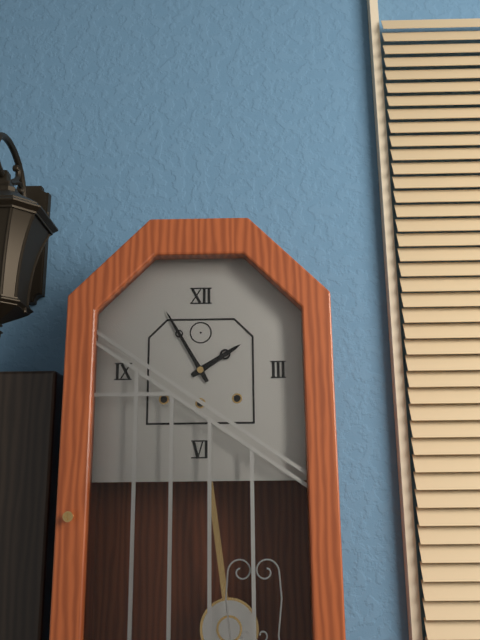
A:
1,55
